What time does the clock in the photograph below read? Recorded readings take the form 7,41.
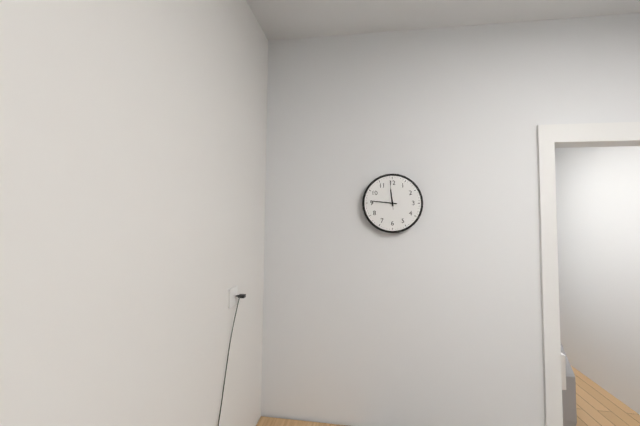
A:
11,46
